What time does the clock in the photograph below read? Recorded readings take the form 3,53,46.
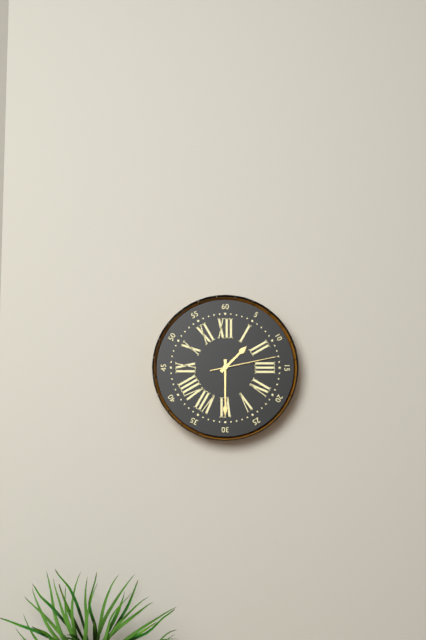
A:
1,30,13
